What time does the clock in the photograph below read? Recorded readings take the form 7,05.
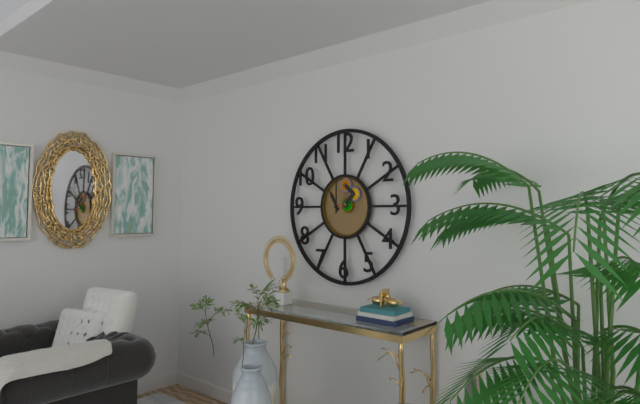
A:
11,00
